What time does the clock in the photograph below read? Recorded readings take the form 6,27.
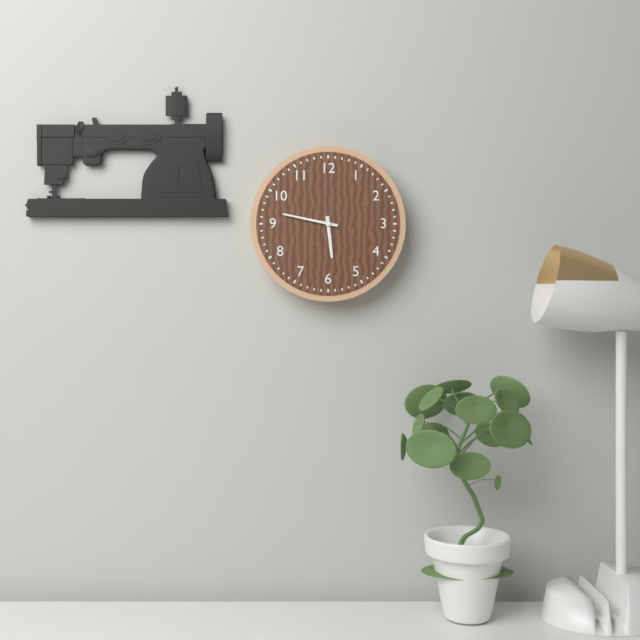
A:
5,47
